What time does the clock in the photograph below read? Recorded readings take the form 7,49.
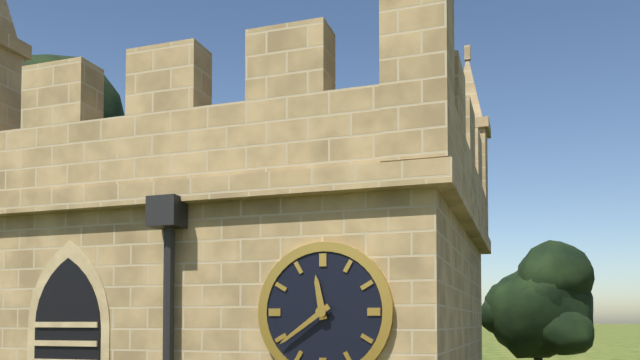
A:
11,39
